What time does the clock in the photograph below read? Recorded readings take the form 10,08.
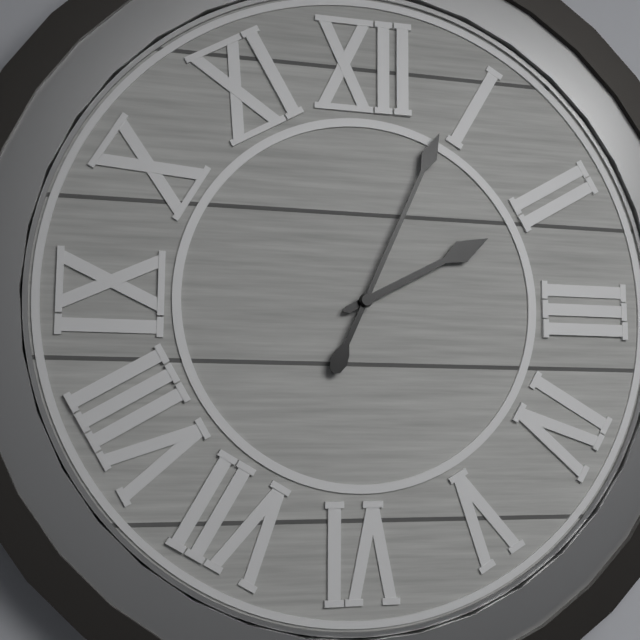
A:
2,04
